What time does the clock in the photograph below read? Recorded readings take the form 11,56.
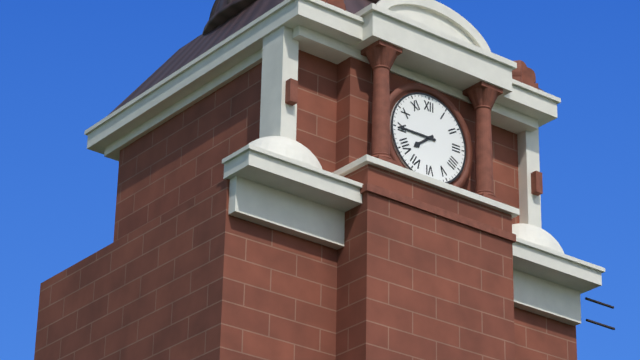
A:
7,45
